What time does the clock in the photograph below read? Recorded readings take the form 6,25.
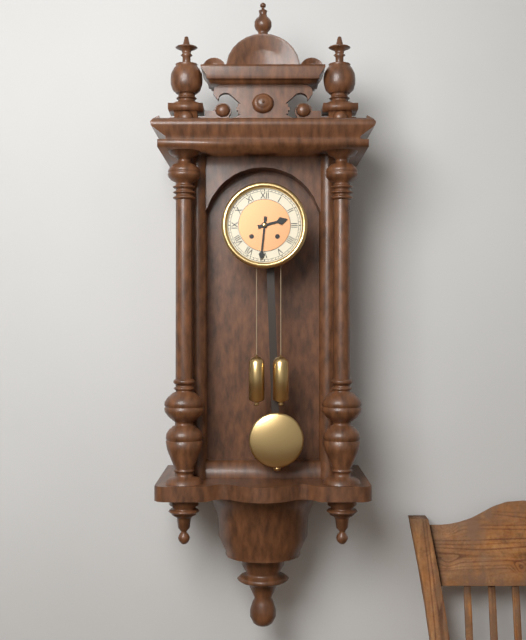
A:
2,31
